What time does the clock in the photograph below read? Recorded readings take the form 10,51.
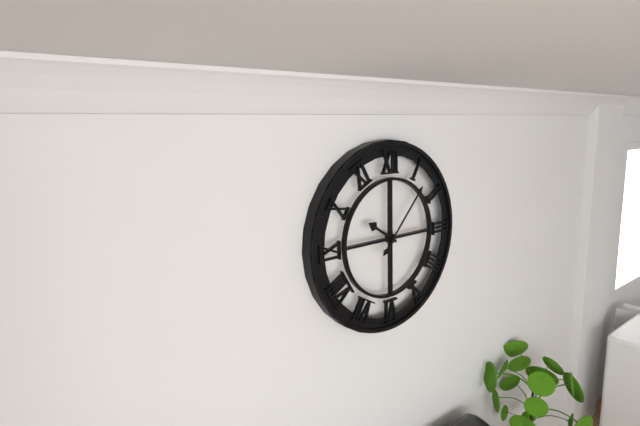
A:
10,07
